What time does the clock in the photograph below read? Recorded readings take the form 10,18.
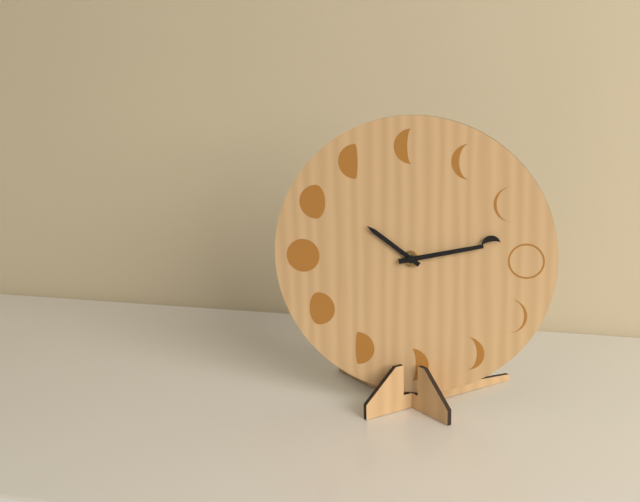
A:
10,13
